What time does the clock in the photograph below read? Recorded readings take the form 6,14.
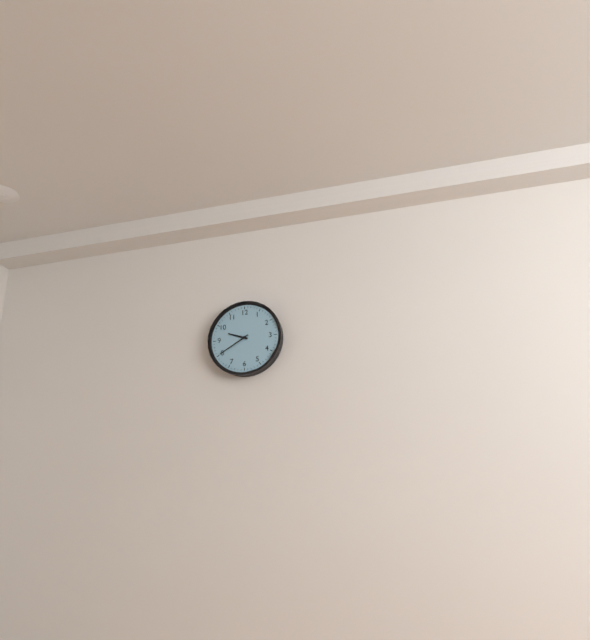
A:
9,40
